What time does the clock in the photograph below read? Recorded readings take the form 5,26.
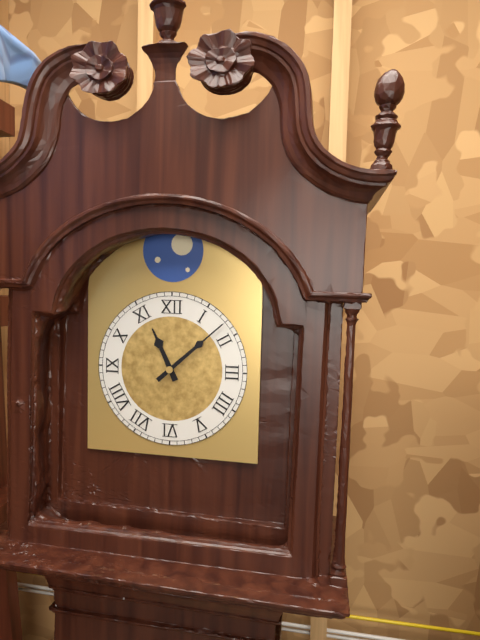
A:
11,08
